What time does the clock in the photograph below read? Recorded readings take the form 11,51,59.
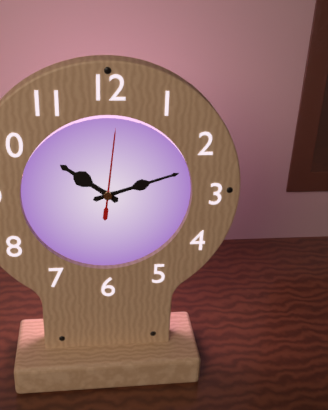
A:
10,12,01
